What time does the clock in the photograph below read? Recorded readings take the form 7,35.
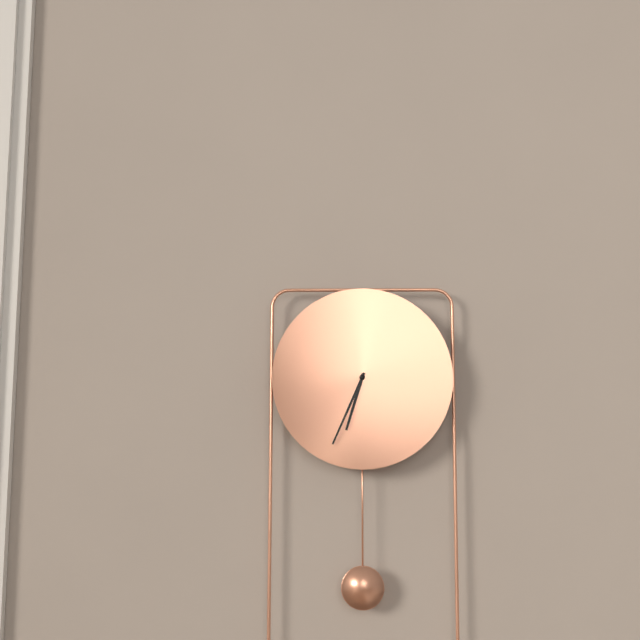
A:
6,34
